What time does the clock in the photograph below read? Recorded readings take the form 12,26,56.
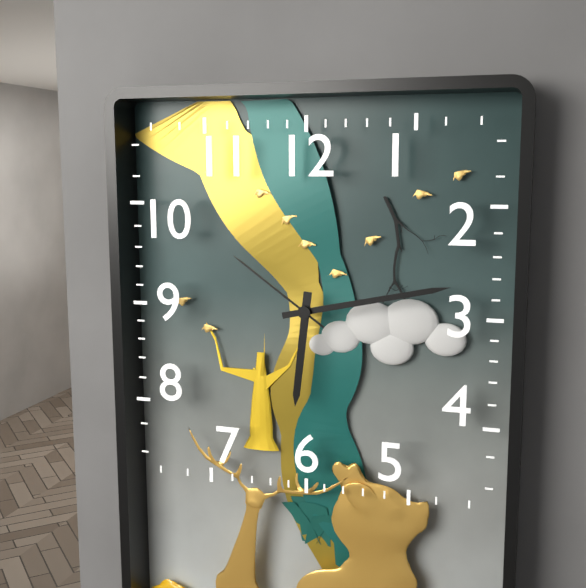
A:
6,13,51
